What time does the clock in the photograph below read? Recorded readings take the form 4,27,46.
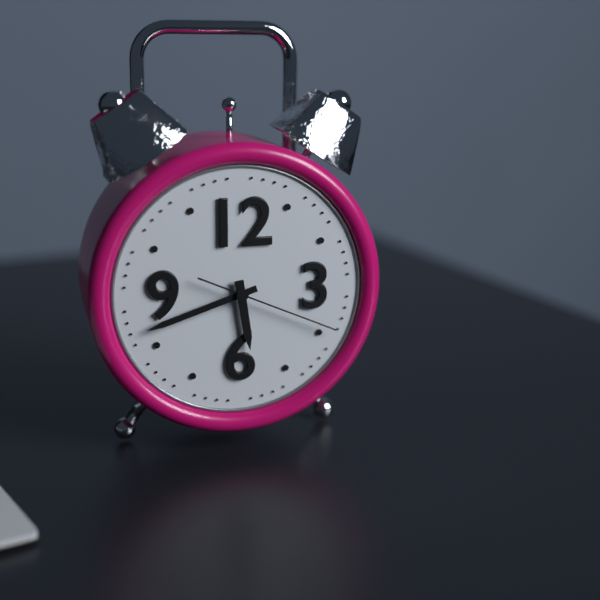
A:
5,42,19
